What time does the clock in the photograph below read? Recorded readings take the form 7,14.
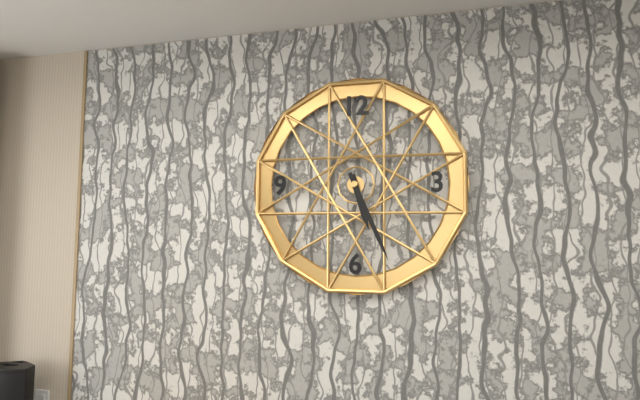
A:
5,26
